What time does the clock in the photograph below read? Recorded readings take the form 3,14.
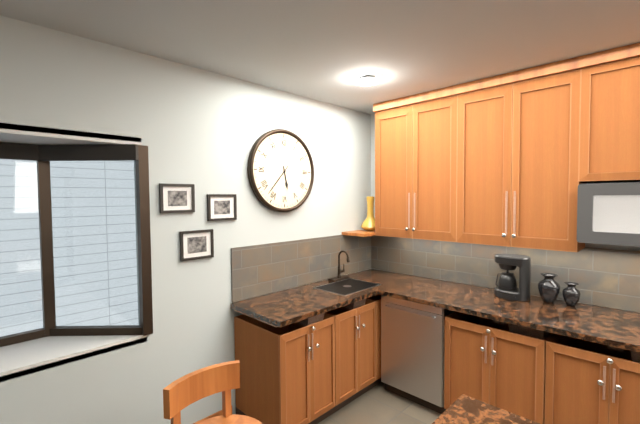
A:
5,37
